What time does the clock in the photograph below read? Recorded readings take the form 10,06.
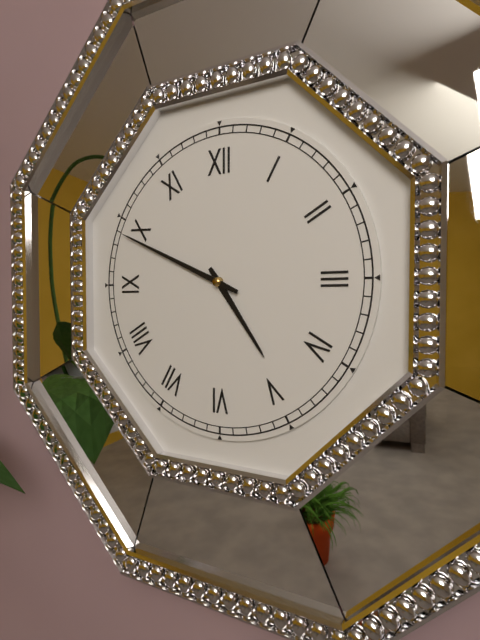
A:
4,49
